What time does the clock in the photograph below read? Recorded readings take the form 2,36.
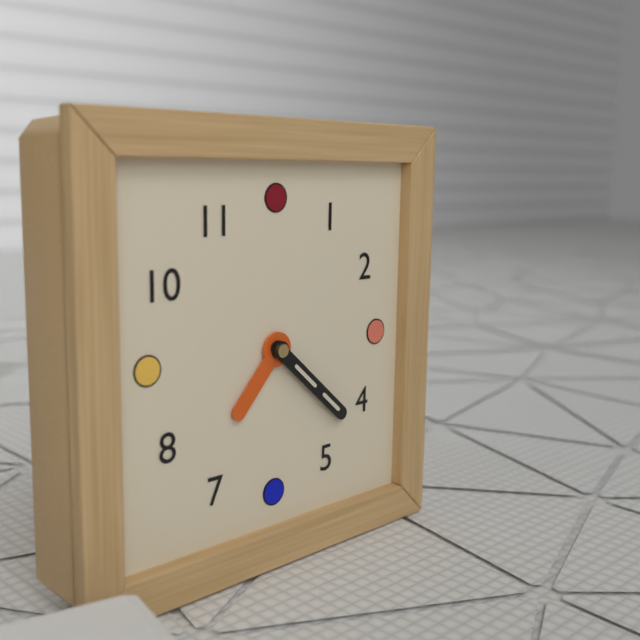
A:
7,22
